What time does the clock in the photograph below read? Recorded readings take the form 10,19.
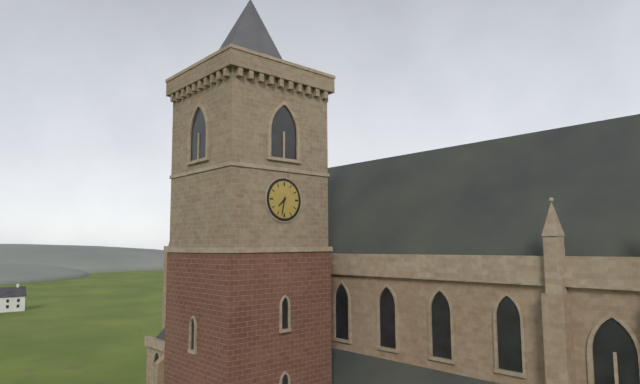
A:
7,32
